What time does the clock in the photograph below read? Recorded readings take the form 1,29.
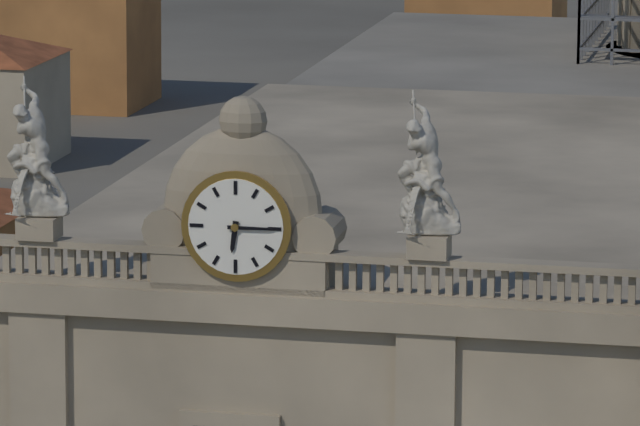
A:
6,15
